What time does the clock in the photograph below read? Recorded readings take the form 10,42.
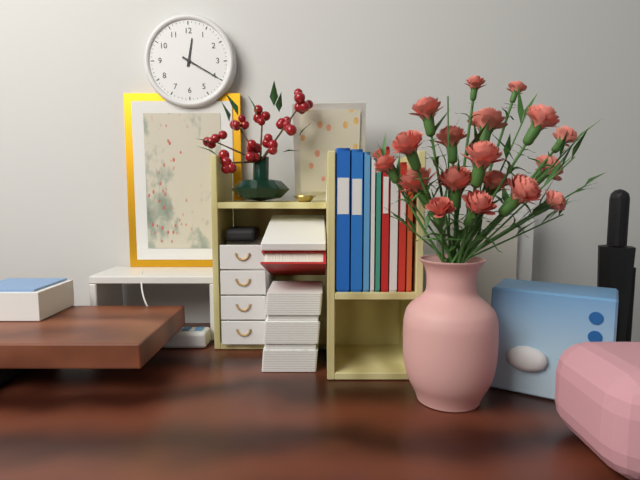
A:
12,20
